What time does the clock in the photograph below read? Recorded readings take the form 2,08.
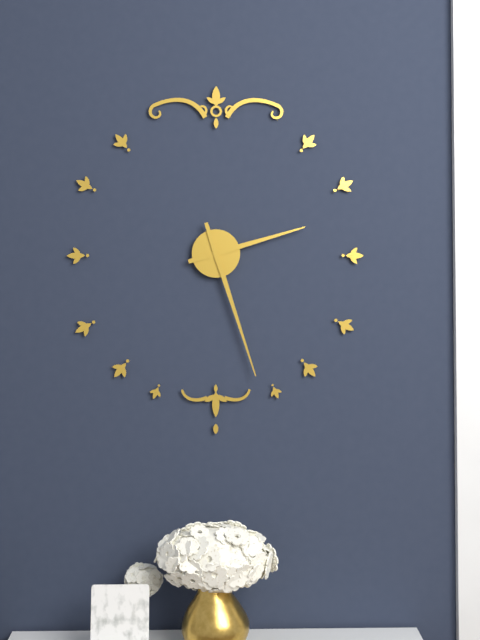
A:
2,27
